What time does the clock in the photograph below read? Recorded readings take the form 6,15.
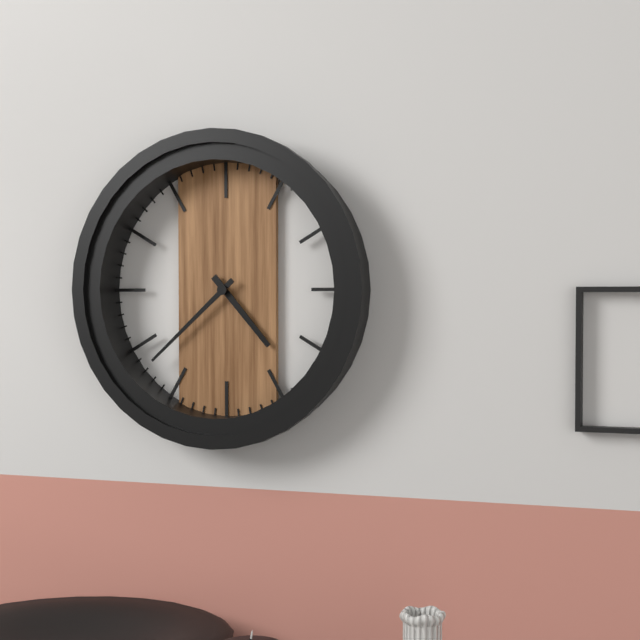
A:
4,38
